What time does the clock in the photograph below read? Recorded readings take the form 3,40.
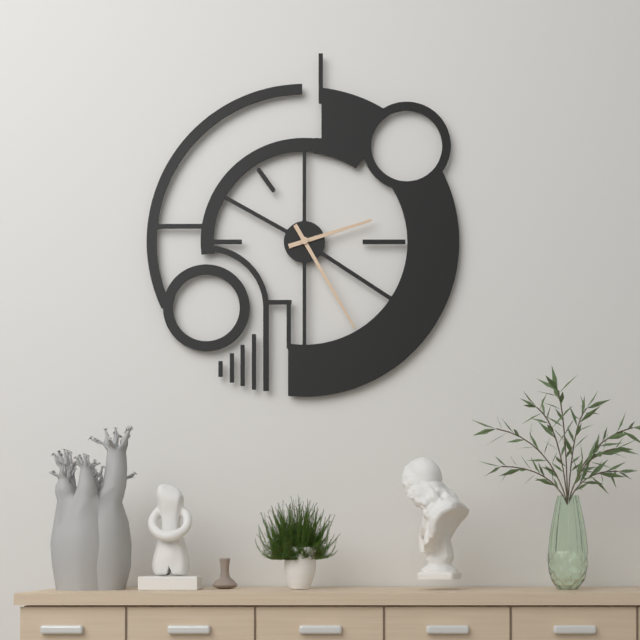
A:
2,25
